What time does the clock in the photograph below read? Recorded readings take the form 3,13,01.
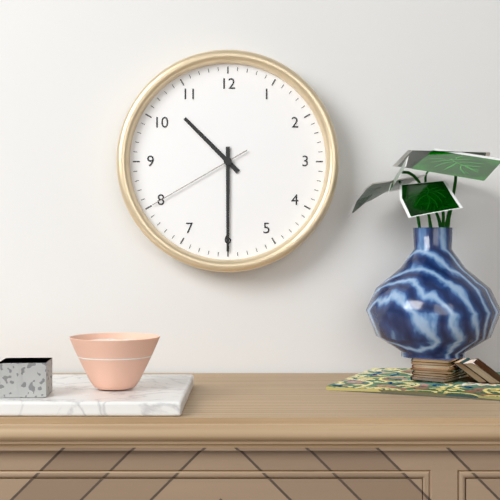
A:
10,30,40
